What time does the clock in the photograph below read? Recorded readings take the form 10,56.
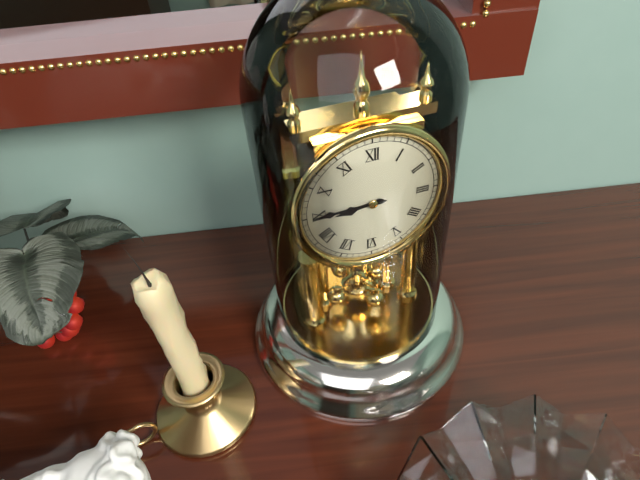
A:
8,45
